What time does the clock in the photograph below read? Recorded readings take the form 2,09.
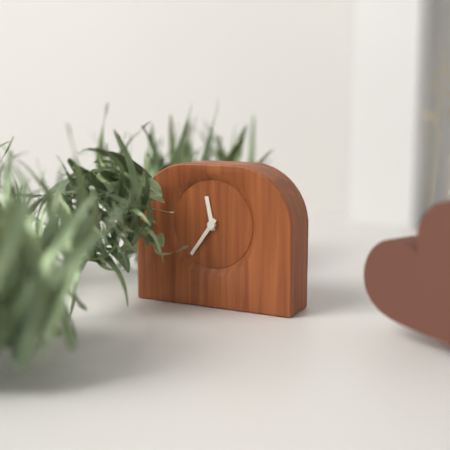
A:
11,36
